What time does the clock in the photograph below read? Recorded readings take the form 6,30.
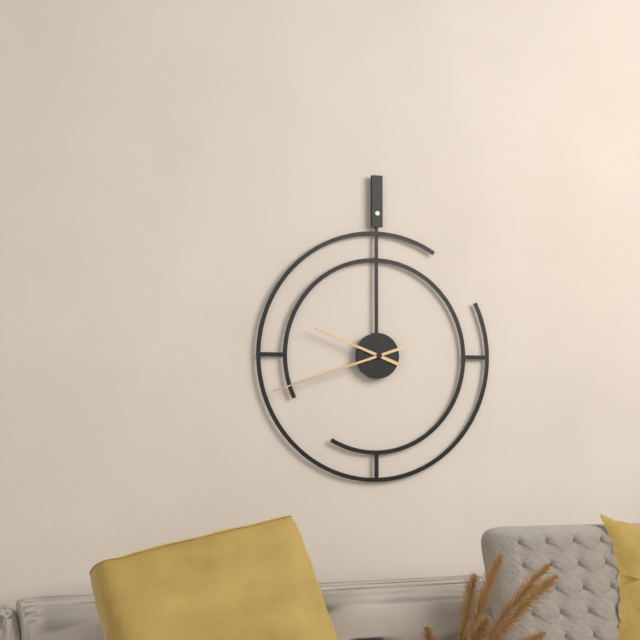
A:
9,42
